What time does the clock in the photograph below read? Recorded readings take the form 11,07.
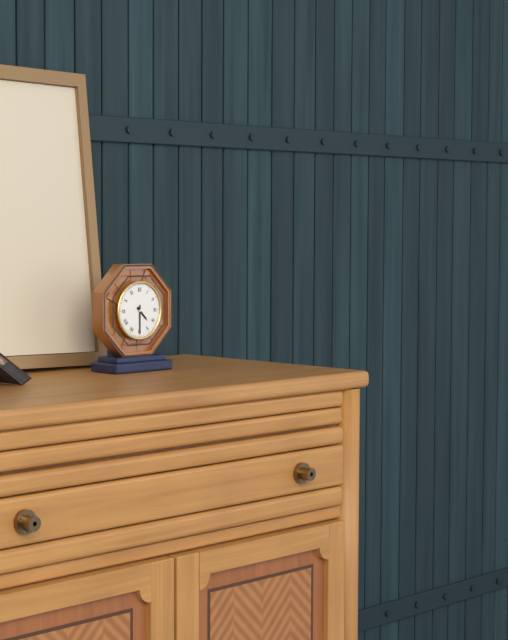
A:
4,30
